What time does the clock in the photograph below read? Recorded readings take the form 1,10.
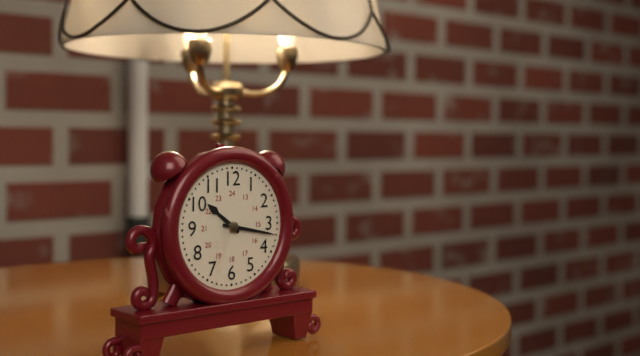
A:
10,17
